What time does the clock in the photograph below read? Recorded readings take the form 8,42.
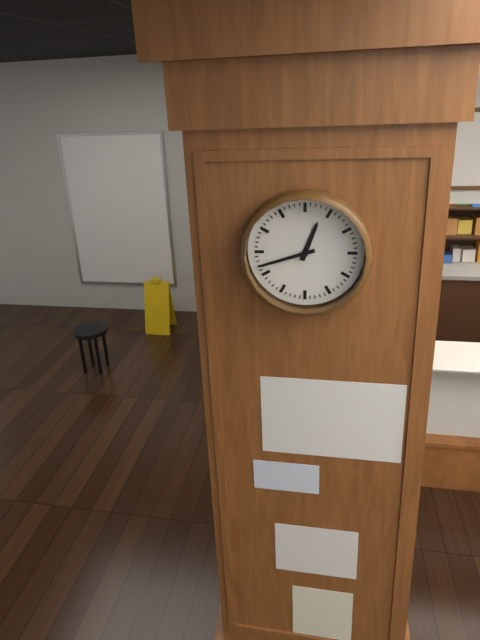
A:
12,42
